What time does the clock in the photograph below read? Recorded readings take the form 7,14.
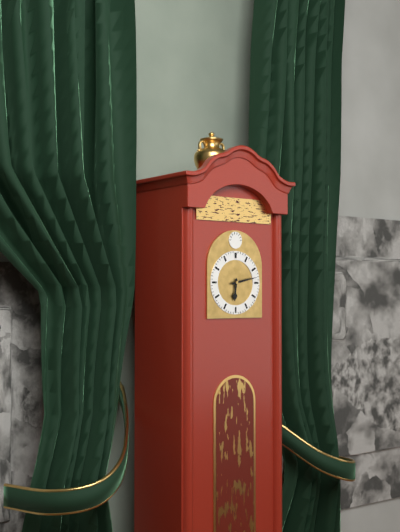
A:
6,13
